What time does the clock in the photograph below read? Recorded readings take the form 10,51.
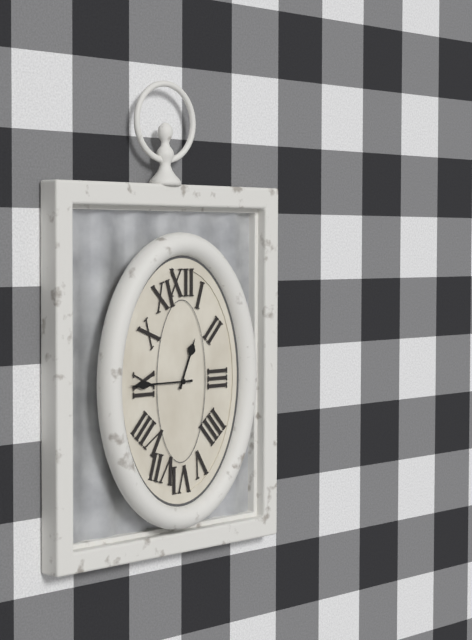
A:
12,45
